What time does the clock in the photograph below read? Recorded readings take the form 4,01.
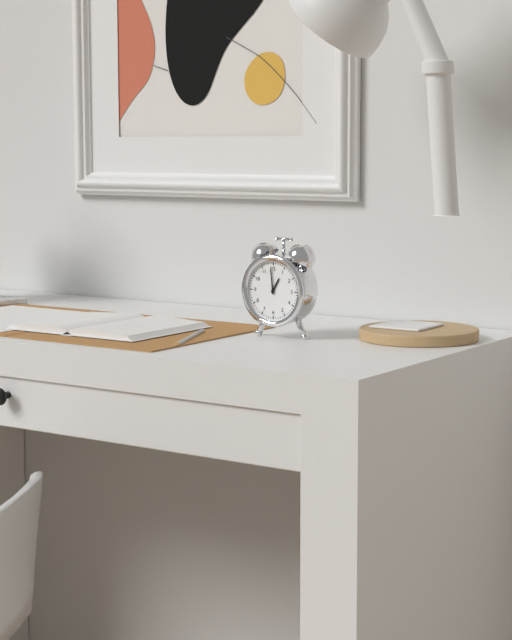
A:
12,59
